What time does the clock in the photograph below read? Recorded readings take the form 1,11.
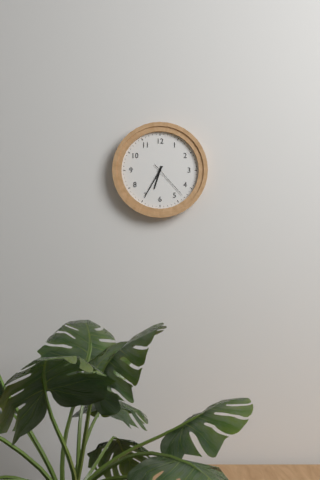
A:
6,35
